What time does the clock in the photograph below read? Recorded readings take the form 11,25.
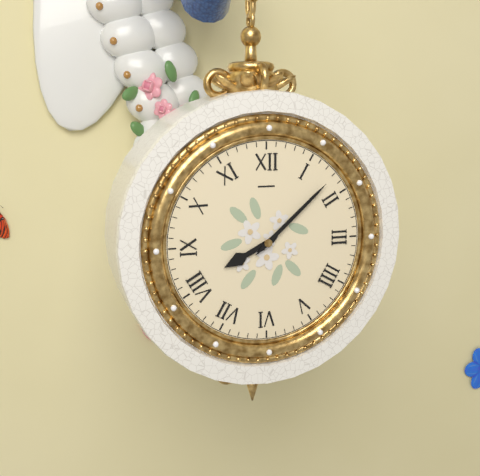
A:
8,08
